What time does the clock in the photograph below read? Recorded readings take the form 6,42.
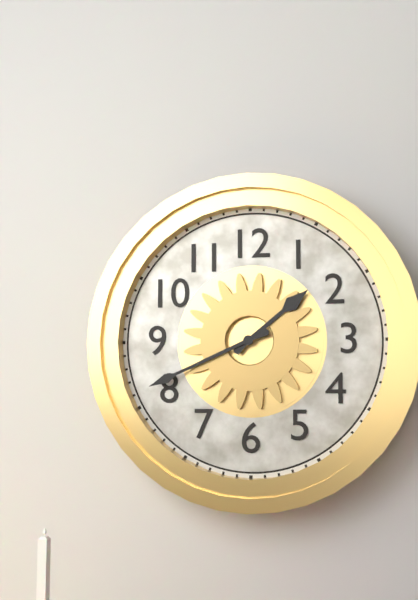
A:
1,41
